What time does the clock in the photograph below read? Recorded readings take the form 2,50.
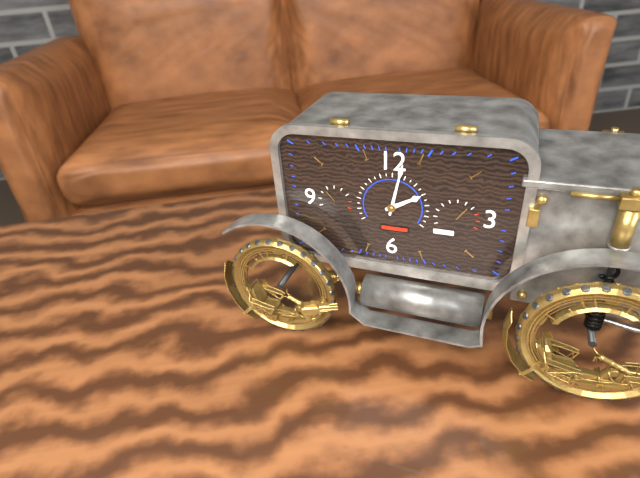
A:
2,02
